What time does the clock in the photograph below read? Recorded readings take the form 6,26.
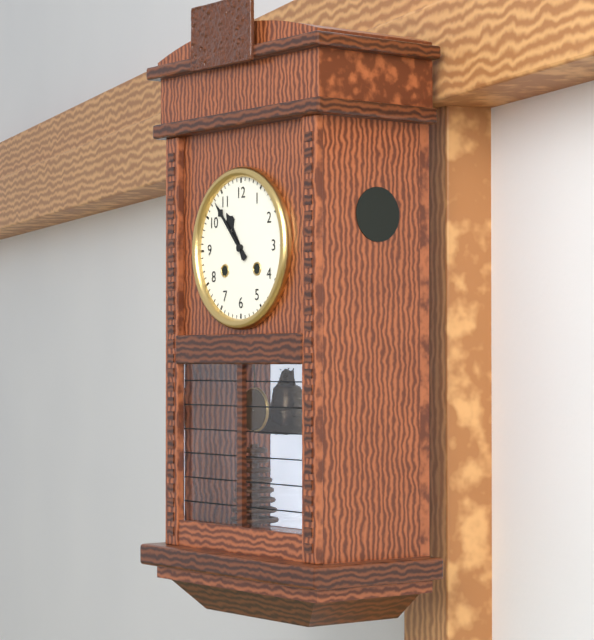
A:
10,53
